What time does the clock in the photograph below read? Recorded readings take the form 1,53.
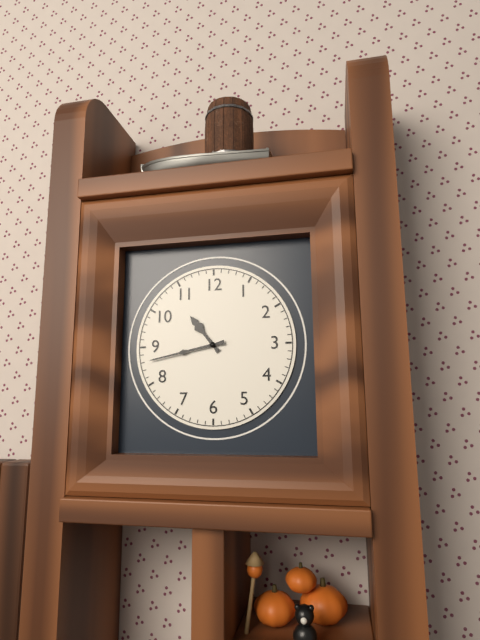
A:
10,43
